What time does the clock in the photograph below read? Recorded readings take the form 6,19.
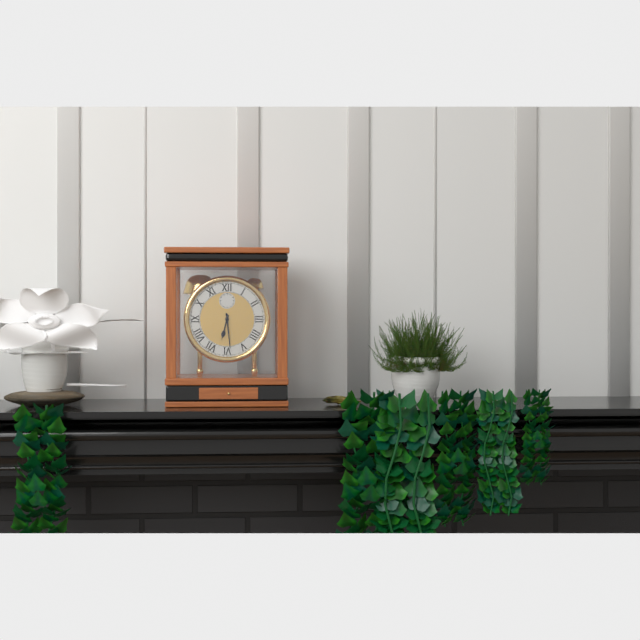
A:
6,29
